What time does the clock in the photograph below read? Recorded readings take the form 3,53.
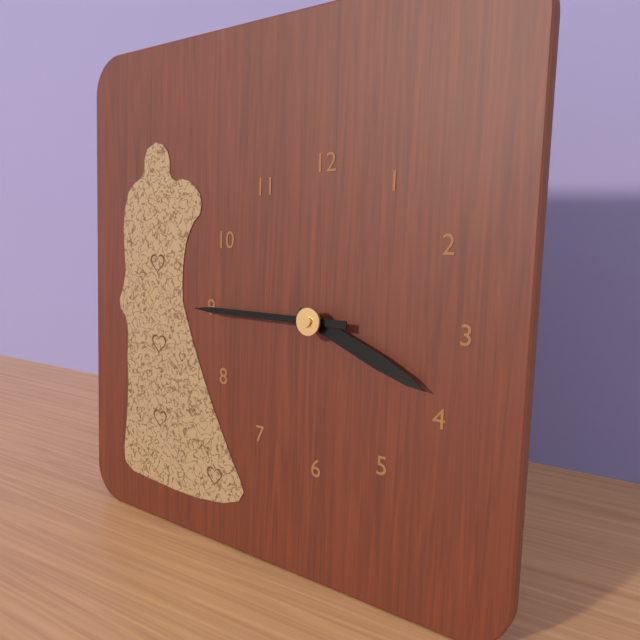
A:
3,45
